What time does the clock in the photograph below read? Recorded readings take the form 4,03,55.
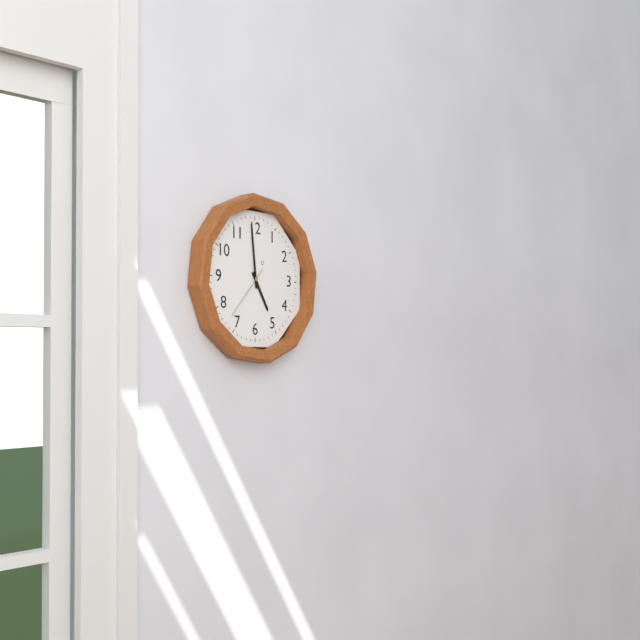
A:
4,59,37
